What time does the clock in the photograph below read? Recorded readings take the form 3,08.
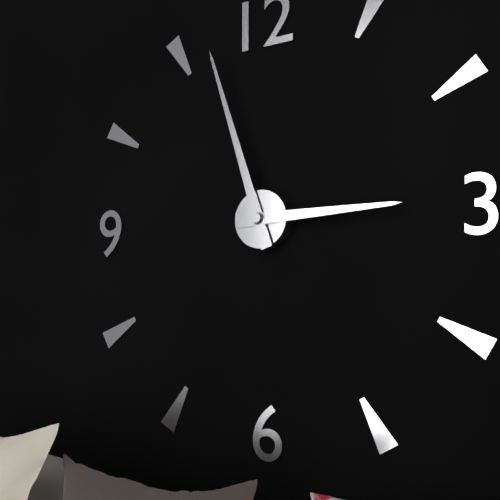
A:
2,57
